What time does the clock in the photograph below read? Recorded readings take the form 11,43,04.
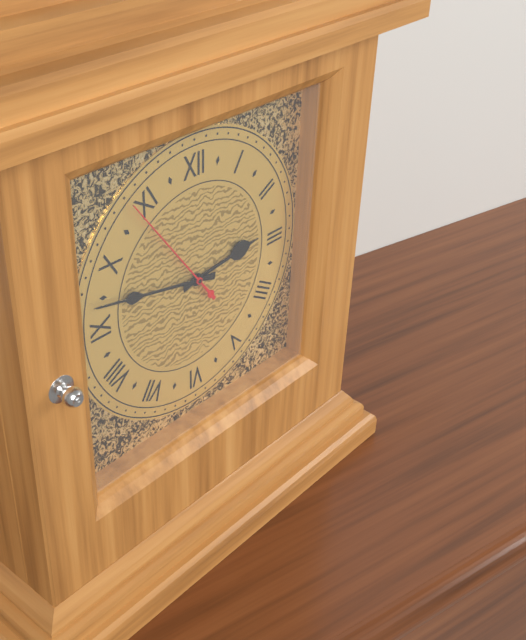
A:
2,47,54
